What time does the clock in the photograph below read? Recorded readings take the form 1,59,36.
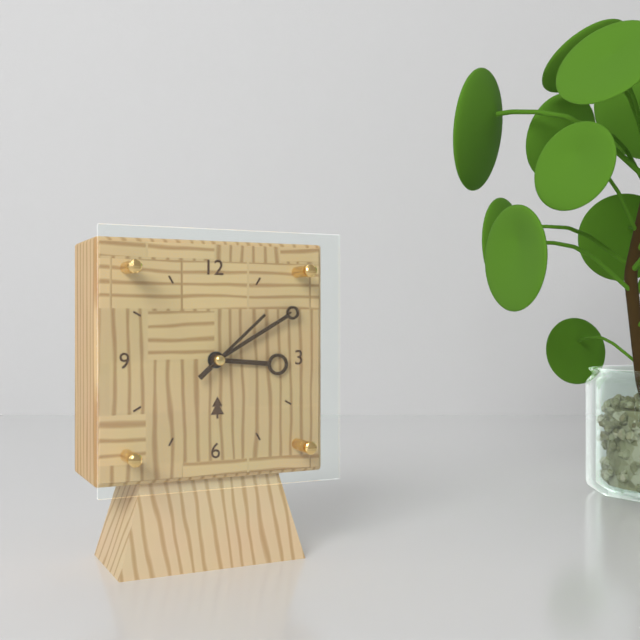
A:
3,10,08
